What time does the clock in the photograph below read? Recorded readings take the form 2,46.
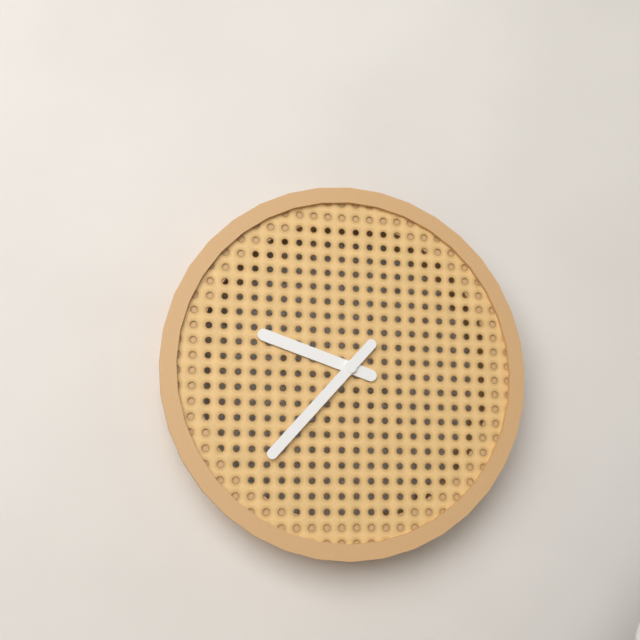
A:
9,37
